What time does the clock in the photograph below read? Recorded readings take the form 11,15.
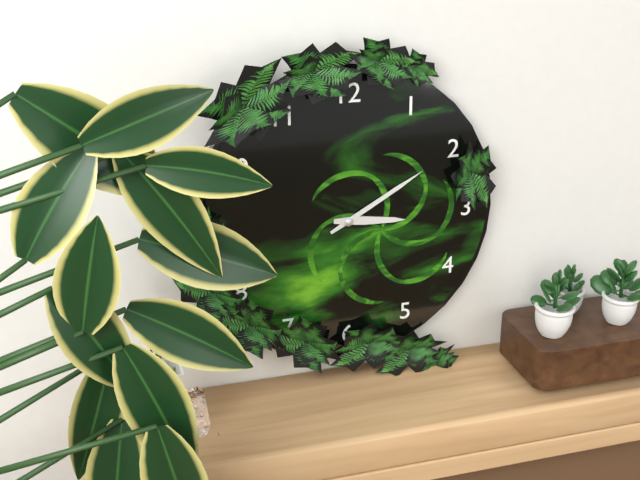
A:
3,10
